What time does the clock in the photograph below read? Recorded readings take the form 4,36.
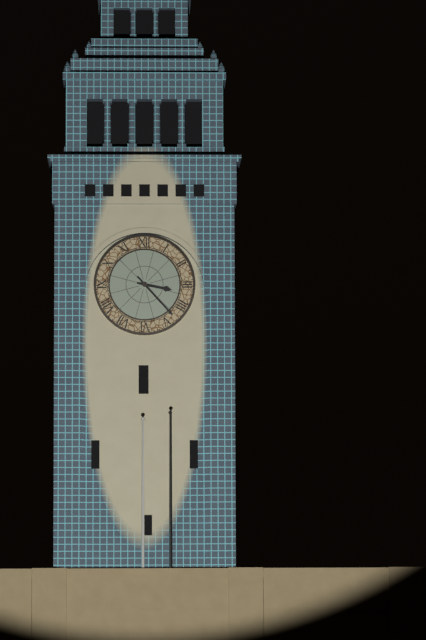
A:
3,23
